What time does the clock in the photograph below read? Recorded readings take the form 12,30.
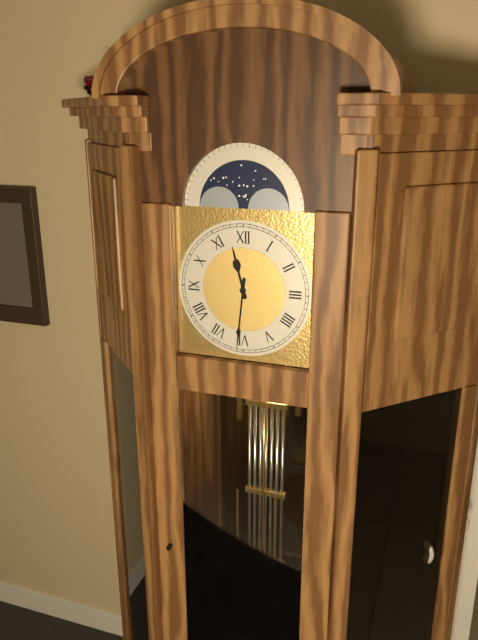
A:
11,31
